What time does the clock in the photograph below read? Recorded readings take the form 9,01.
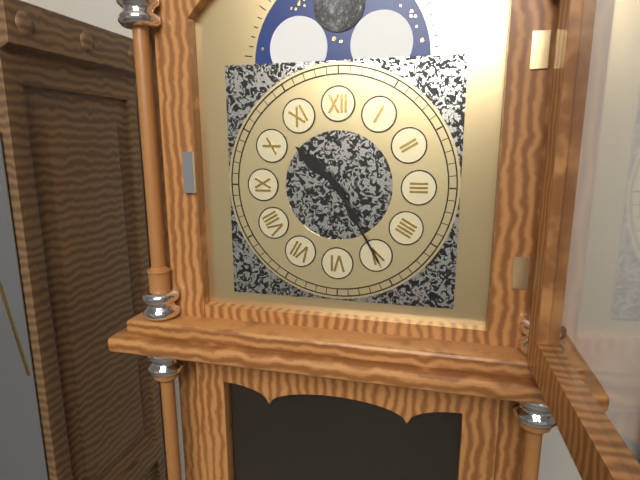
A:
10,25
